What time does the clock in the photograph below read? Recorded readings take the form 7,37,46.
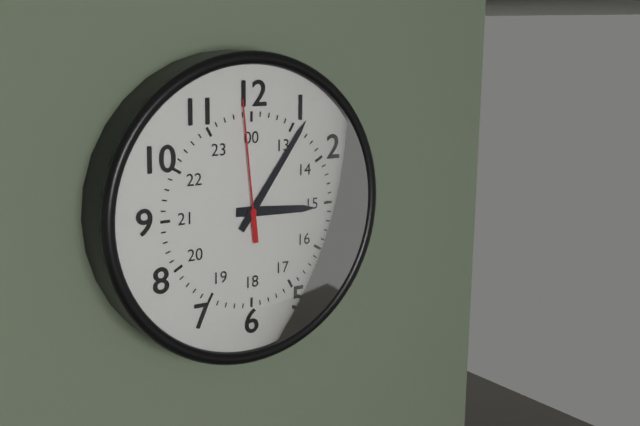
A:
3,06,59
